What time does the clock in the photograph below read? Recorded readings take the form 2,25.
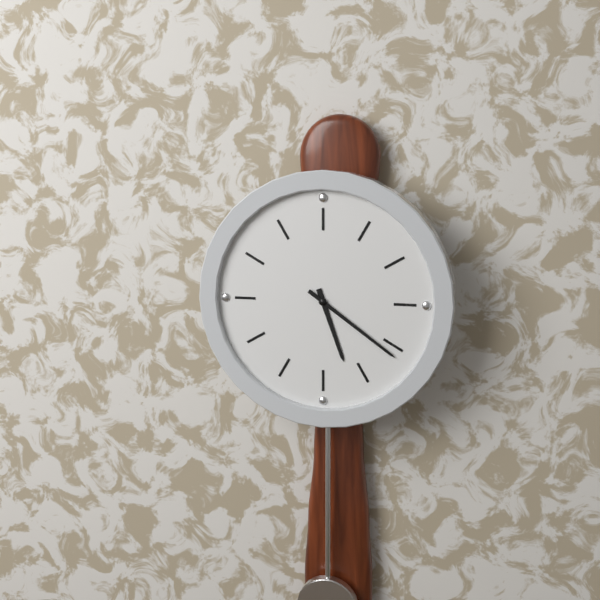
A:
5,21
